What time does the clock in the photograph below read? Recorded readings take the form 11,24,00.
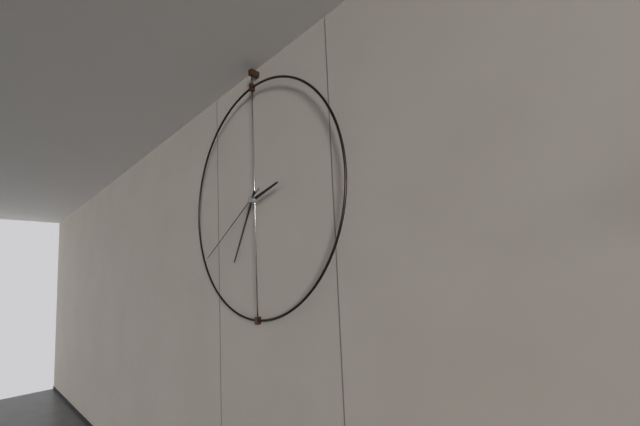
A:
2,35,40
